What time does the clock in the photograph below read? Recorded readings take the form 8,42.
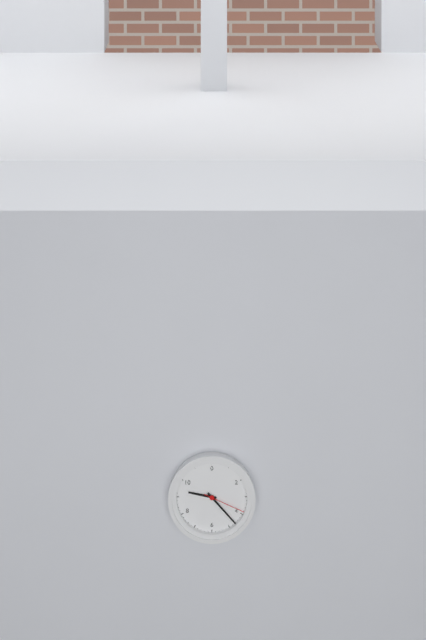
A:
9,23
